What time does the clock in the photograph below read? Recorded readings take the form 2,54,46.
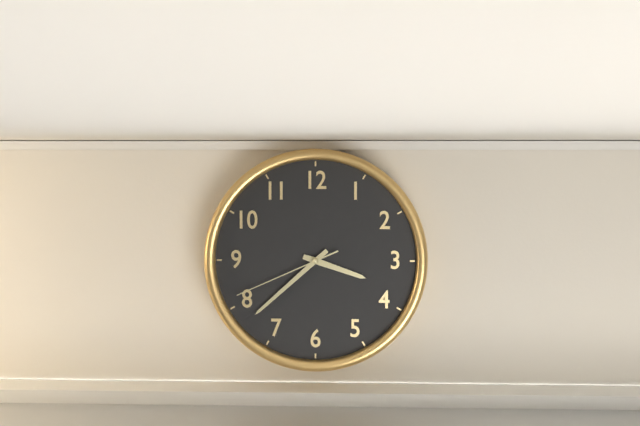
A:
3,38,41
